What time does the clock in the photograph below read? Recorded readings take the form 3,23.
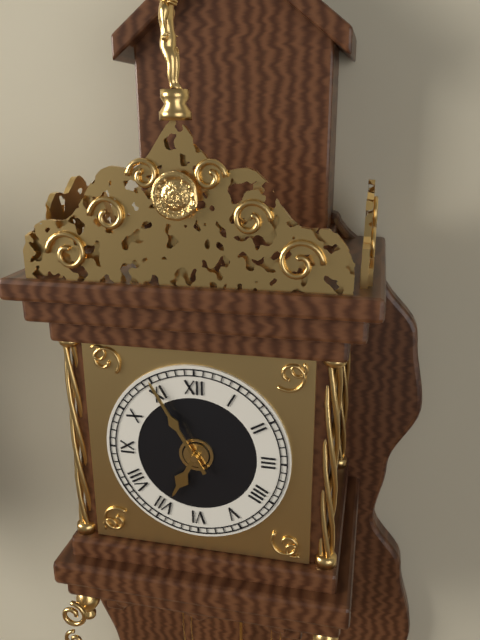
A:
6,55
